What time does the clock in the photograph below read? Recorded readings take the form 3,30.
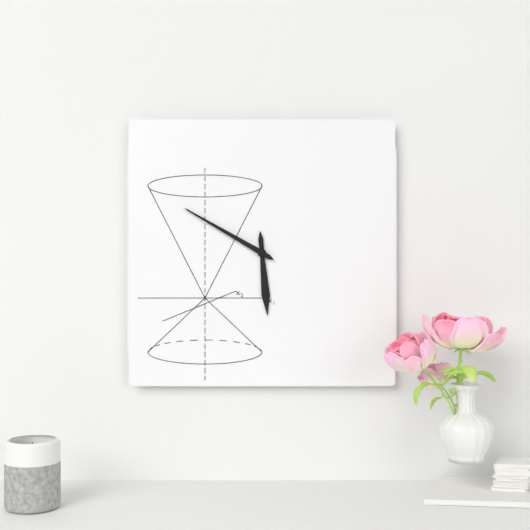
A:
5,50
